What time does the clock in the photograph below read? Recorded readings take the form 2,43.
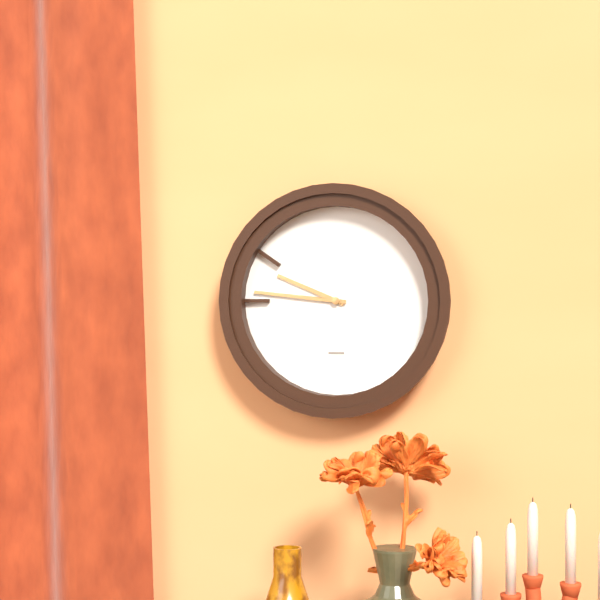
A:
9,46
